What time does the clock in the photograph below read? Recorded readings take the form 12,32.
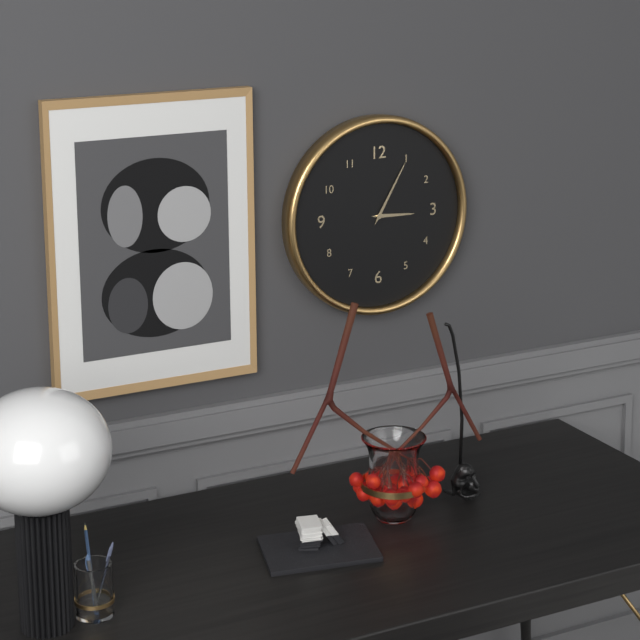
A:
3,05
